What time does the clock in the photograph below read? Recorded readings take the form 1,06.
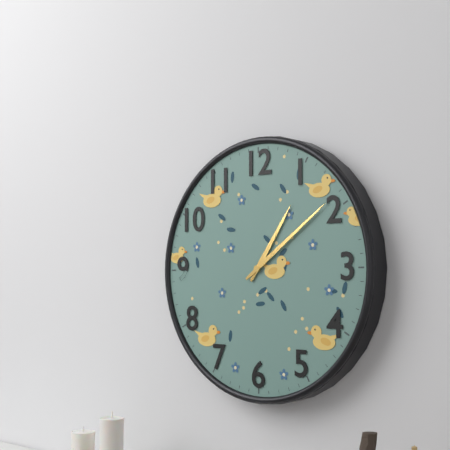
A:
1,09
